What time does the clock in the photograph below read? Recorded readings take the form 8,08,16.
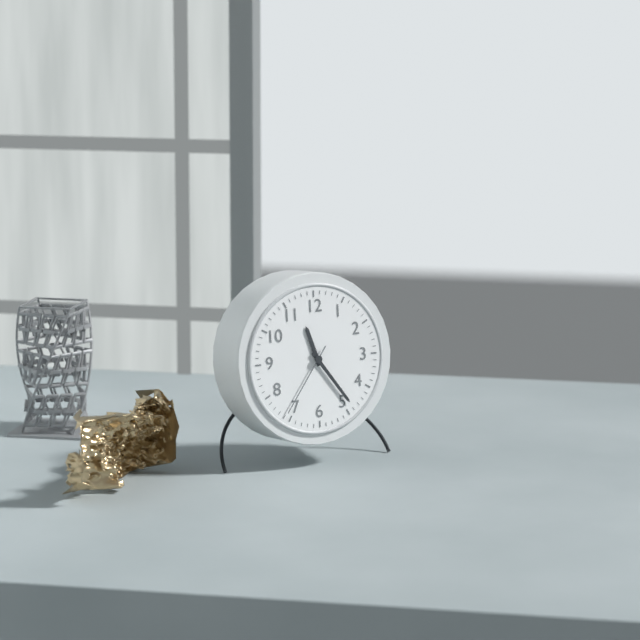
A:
11,24,36
